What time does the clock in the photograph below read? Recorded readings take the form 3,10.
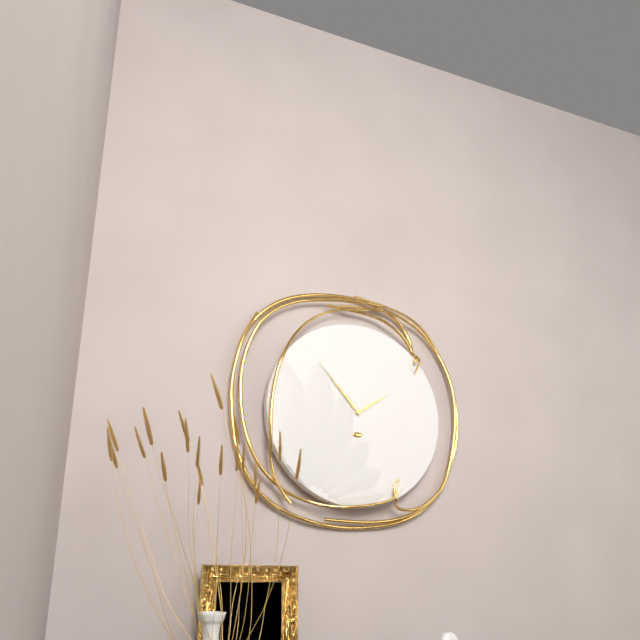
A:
1,53
